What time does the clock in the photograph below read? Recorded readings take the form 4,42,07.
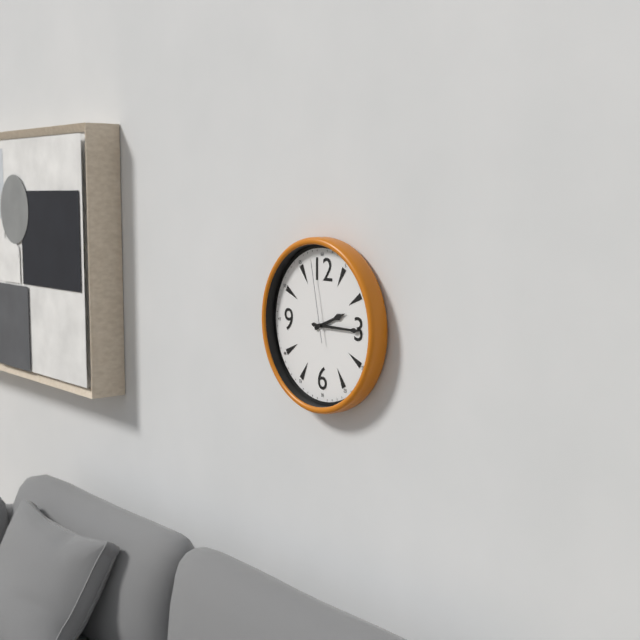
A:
2,15,58
